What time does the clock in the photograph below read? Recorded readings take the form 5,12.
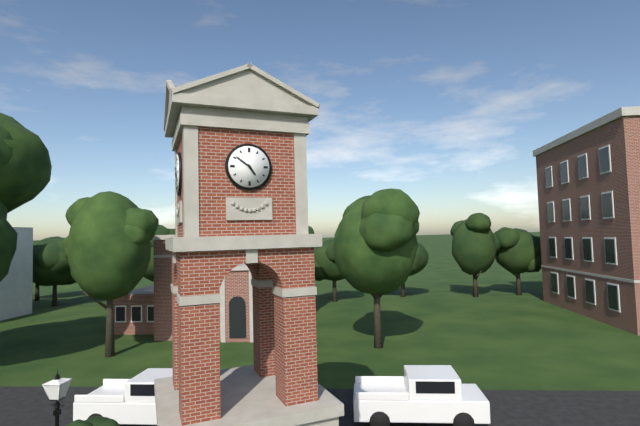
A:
4,51
